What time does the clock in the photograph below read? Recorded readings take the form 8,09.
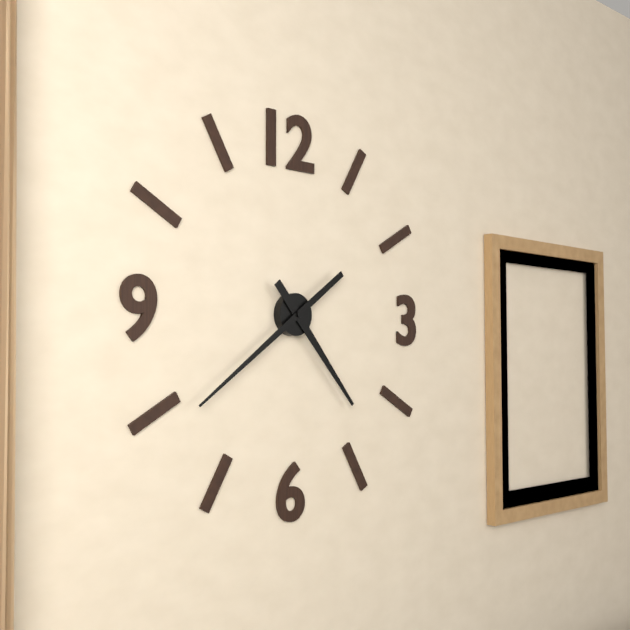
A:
4,39
